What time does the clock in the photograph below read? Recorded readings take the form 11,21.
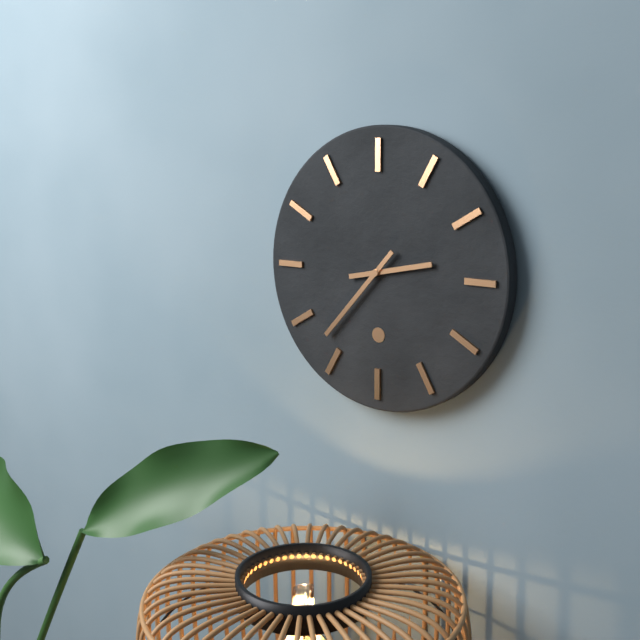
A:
2,37
